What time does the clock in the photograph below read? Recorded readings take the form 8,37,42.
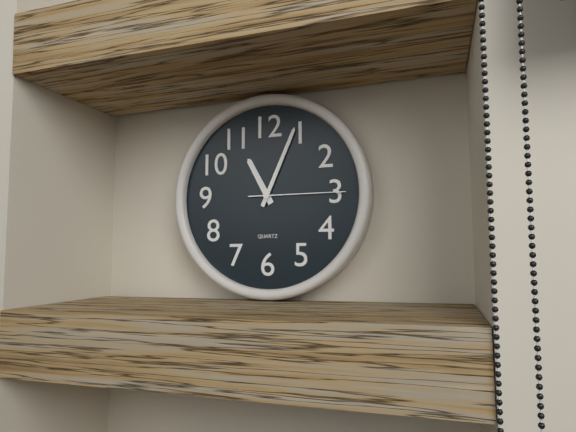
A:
11,04,15
